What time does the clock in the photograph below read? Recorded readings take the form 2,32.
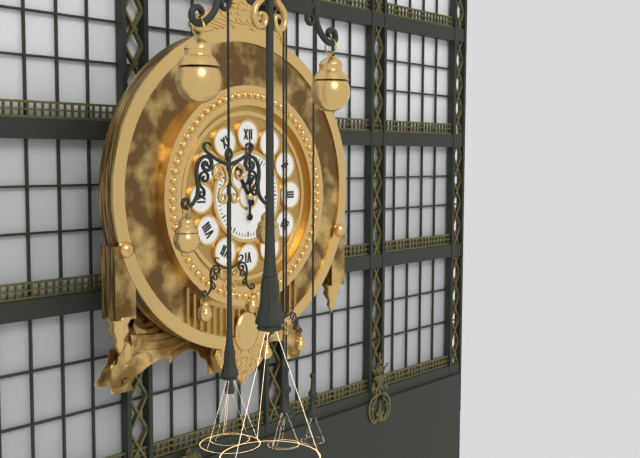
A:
11,00
